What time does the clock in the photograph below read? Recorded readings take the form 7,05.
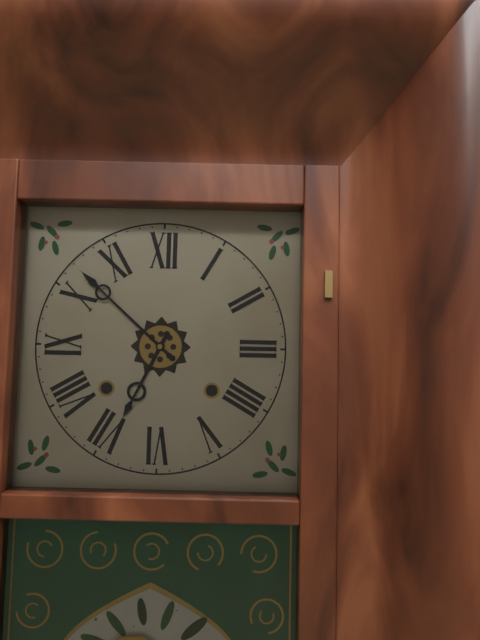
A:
6,52
